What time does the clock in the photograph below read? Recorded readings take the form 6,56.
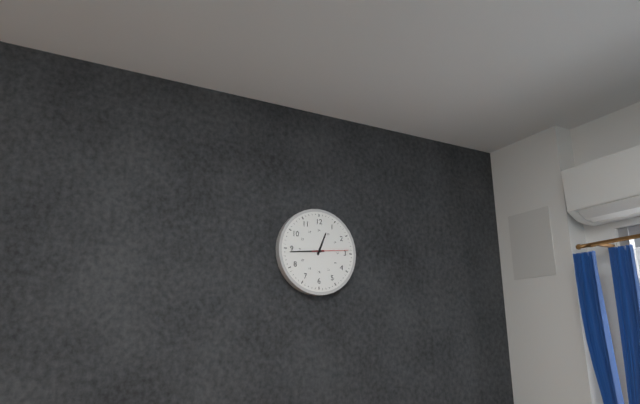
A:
12,44
